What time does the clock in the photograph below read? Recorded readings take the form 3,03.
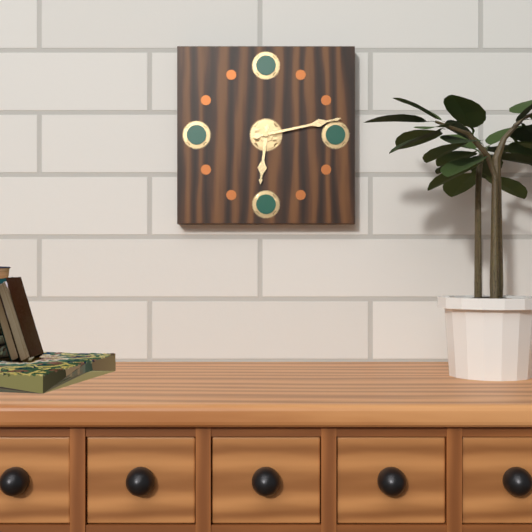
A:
6,13
